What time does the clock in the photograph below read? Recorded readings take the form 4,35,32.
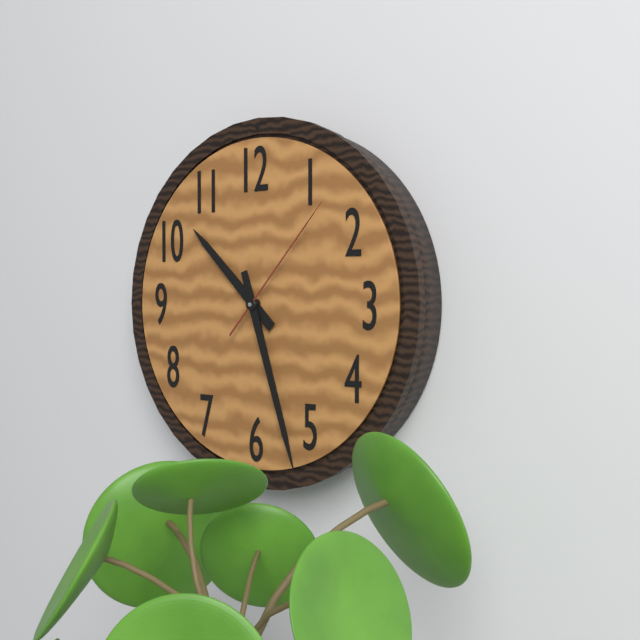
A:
10,27,07
